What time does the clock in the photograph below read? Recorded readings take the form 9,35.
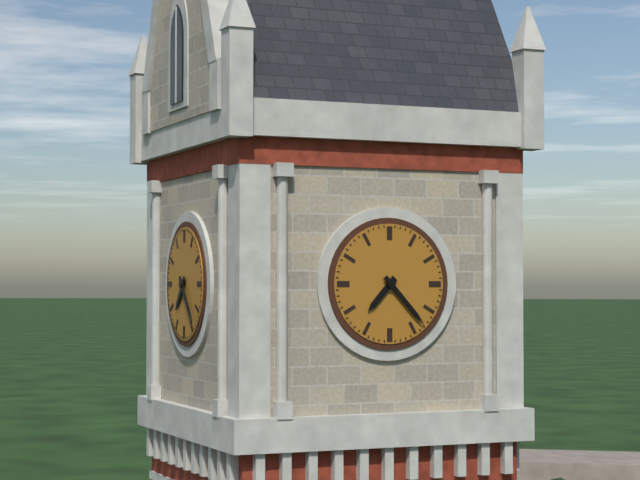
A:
7,23
